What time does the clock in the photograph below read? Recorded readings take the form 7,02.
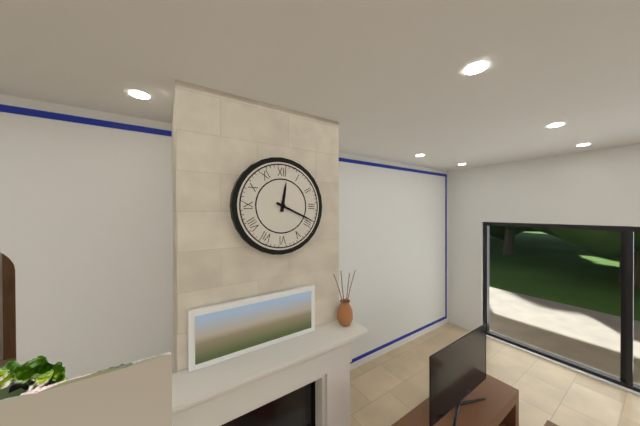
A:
12,19
